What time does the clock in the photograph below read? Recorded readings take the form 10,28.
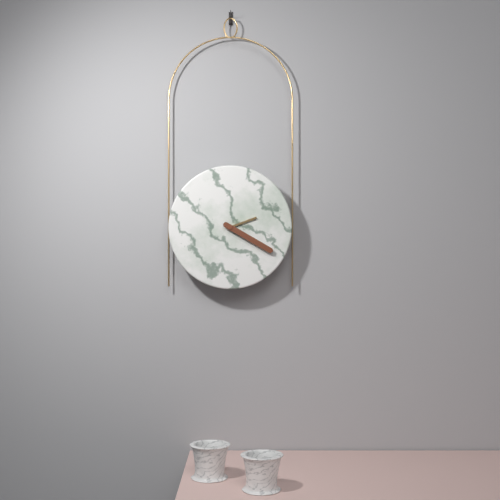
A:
2,20
